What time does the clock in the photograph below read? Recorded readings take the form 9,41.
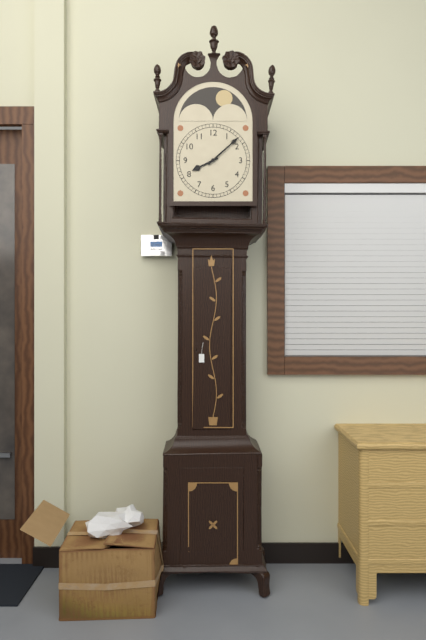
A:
8,08
